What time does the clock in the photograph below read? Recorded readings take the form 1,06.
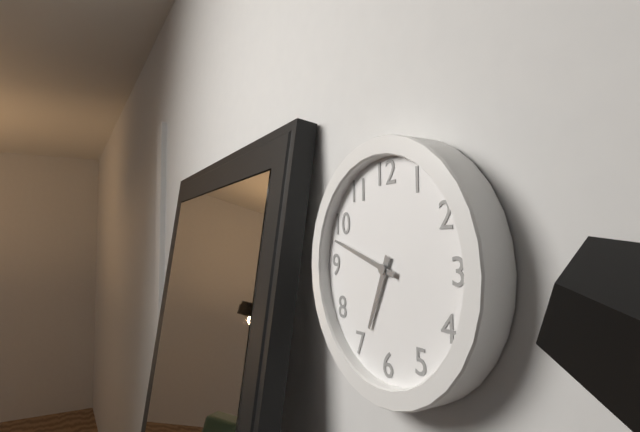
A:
6,48
